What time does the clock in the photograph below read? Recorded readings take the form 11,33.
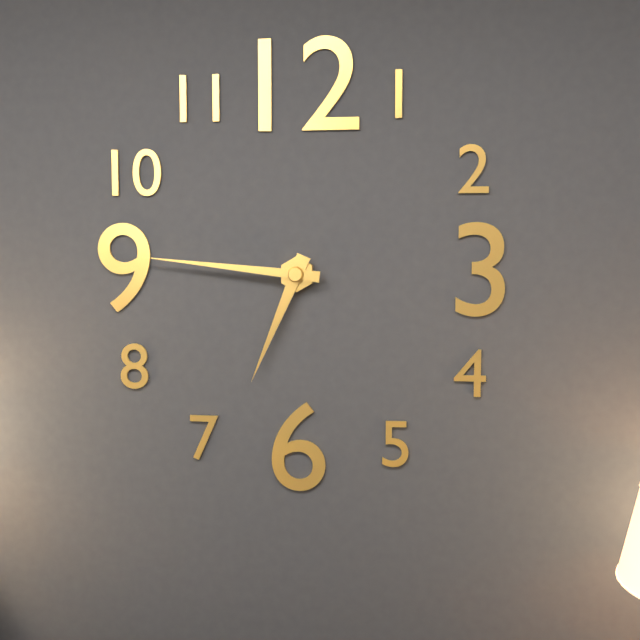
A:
6,46
